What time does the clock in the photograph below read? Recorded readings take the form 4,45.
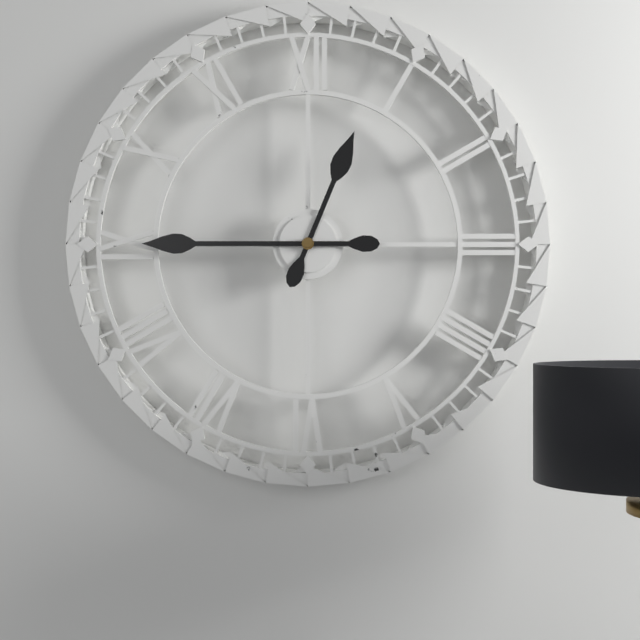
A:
12,45
